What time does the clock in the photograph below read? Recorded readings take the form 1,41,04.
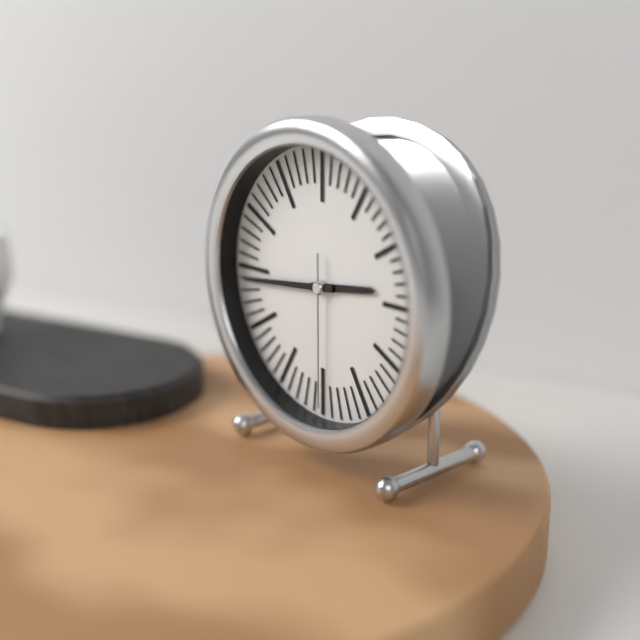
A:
2,44,30
